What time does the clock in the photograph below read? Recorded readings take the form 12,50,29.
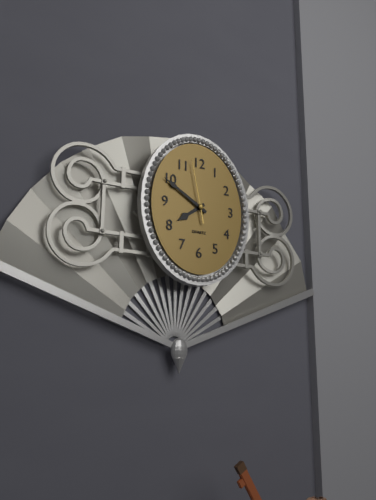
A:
7,50,58
